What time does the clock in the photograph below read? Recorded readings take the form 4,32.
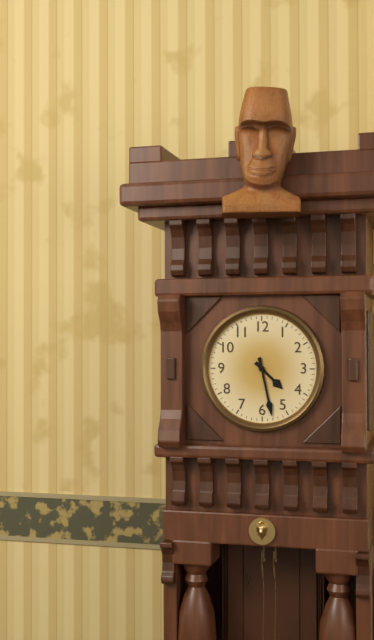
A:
4,28
